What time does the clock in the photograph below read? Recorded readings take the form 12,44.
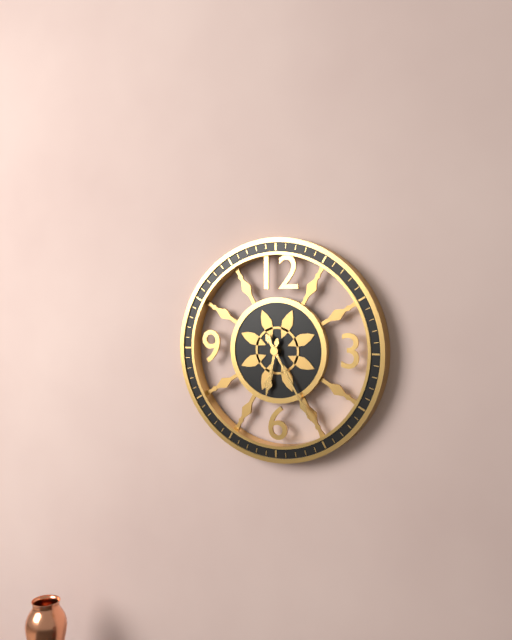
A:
6,25
